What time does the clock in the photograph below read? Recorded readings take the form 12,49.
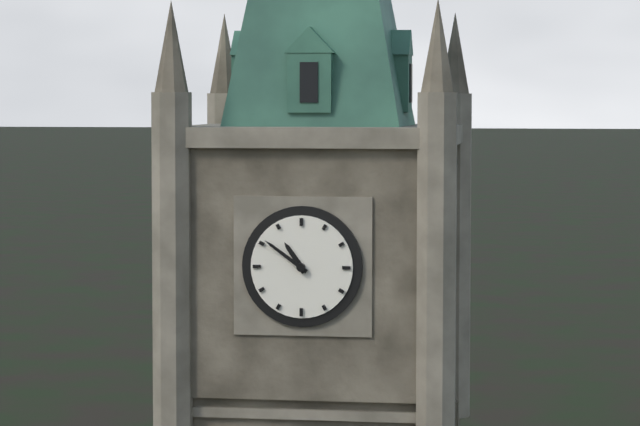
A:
10,51
